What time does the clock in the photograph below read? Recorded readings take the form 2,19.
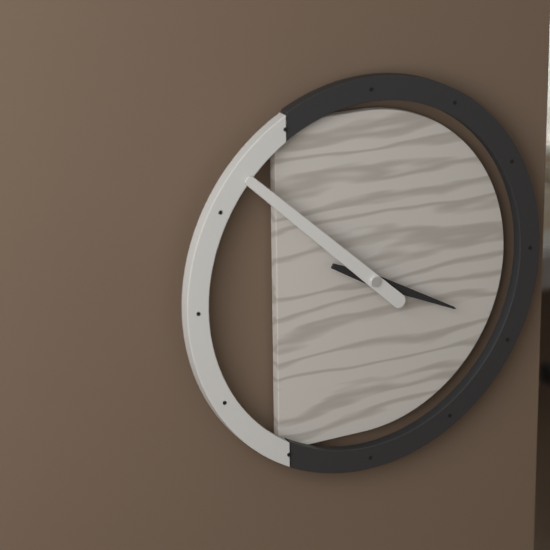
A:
3,52
